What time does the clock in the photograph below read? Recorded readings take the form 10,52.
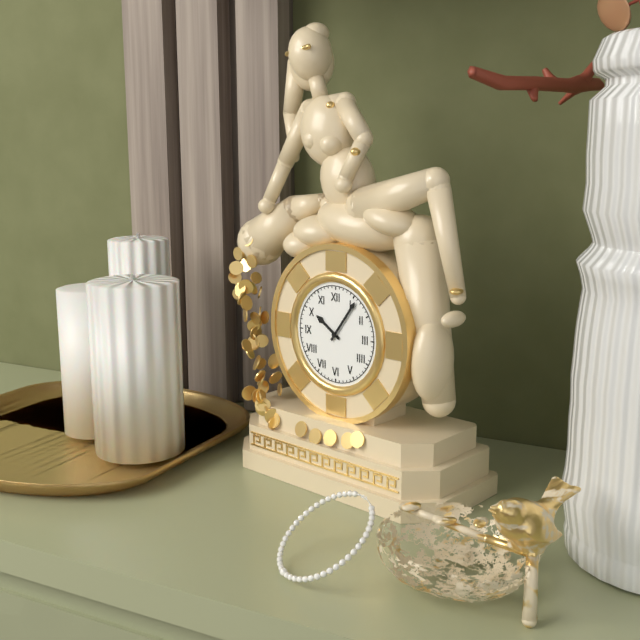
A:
10,06
